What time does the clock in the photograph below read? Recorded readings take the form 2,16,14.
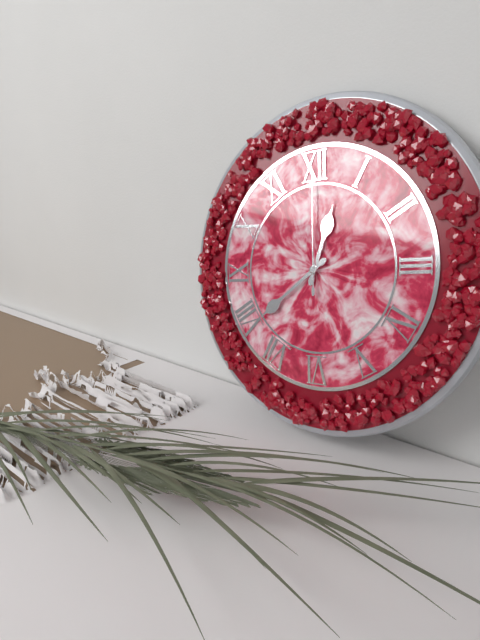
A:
12,39,00
